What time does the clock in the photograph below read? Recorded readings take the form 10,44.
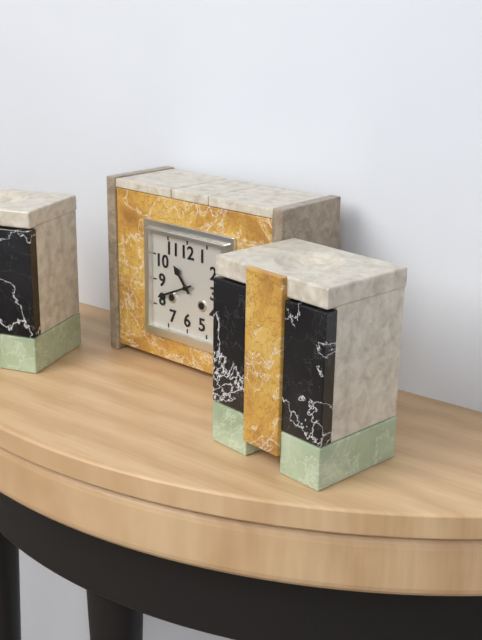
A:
10,41
